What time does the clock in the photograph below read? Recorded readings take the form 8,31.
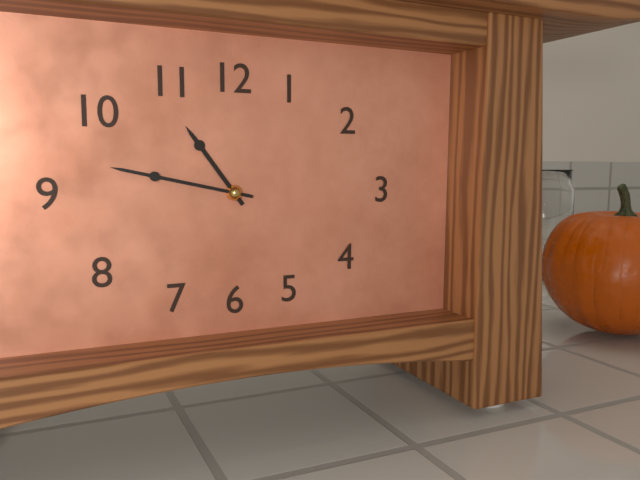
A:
10,47
